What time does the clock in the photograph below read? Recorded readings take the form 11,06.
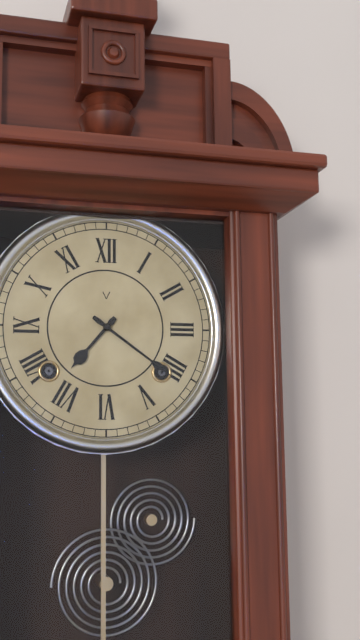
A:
7,21
